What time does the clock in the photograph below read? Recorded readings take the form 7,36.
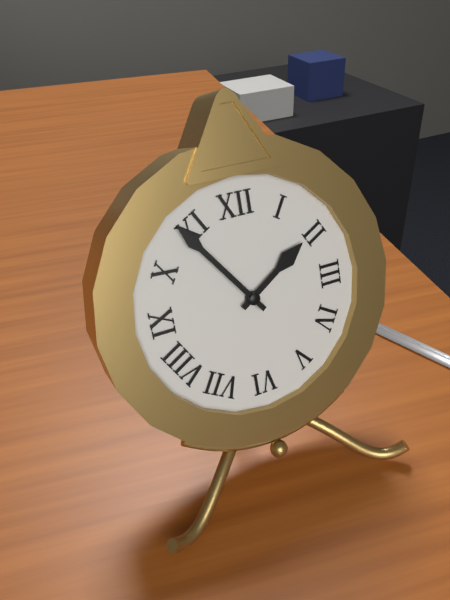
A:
1,54
